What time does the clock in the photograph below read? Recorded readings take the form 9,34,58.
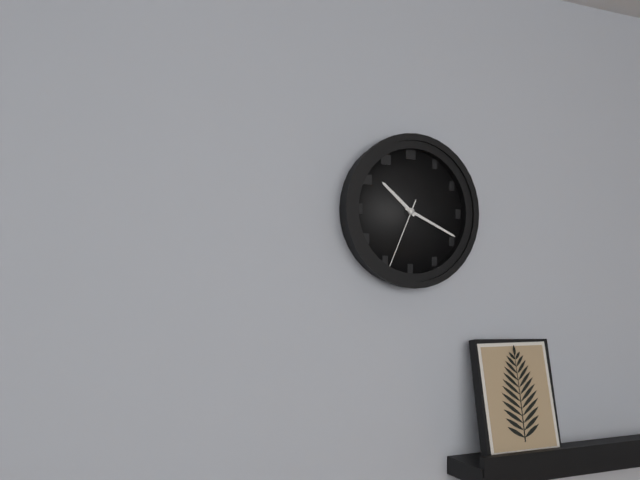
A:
10,19,34
